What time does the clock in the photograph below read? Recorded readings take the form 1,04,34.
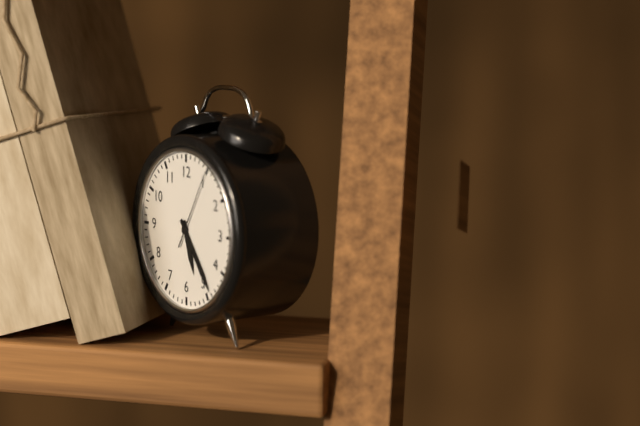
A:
5,24,05
